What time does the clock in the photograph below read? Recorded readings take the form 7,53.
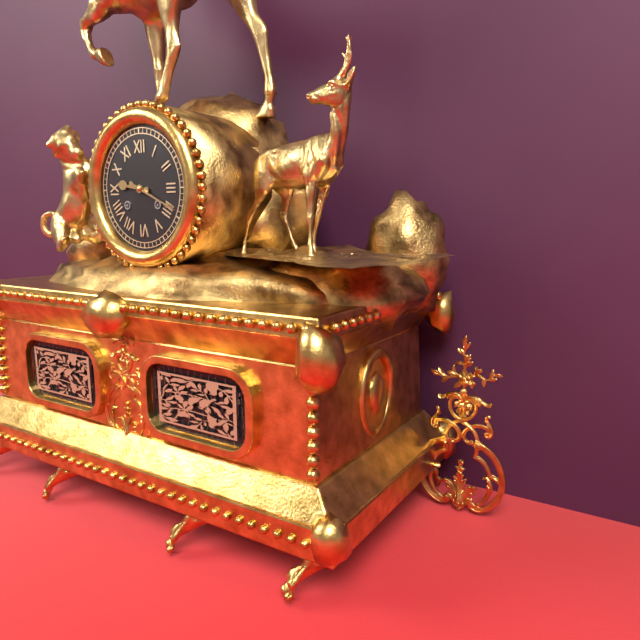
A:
9,19
